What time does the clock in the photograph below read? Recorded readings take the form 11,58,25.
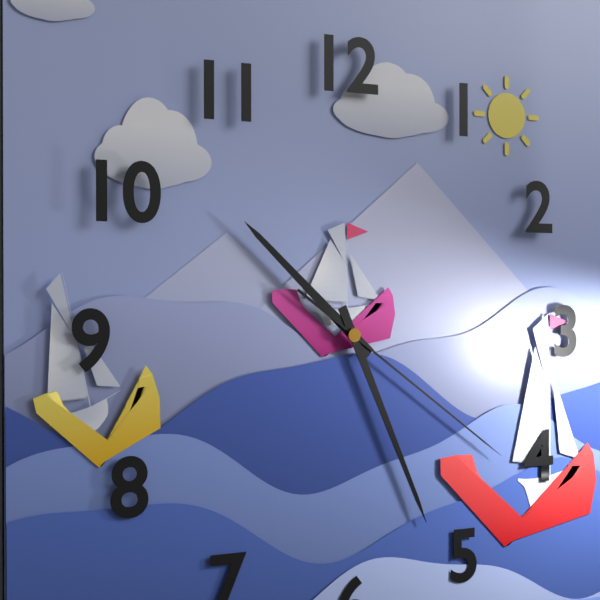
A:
10,26,21
